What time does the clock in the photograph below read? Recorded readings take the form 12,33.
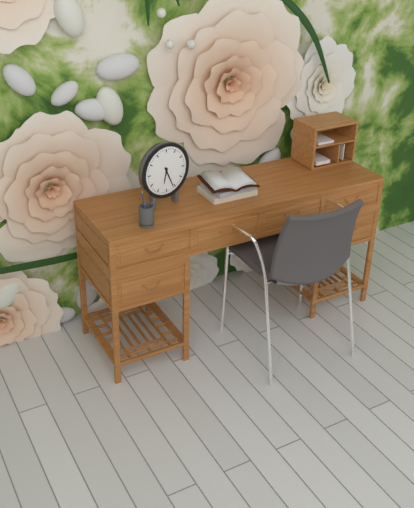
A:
6,26
